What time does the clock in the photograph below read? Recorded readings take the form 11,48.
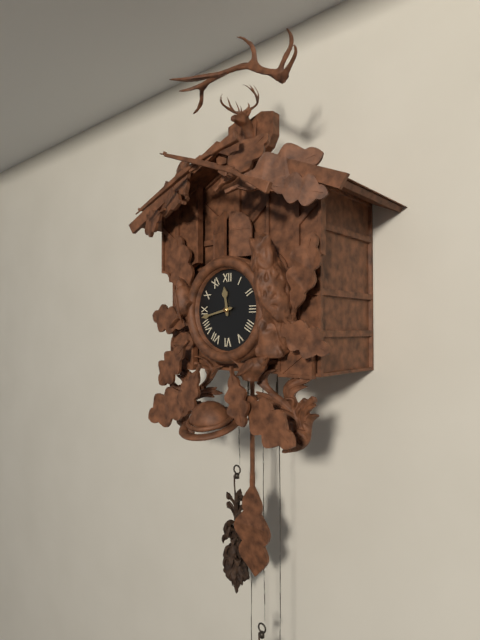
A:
11,43
